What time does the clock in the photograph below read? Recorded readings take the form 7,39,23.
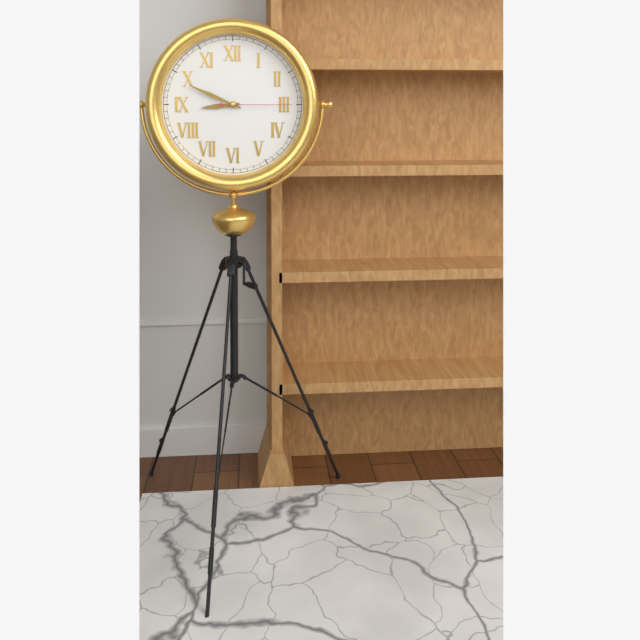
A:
8,49,15
